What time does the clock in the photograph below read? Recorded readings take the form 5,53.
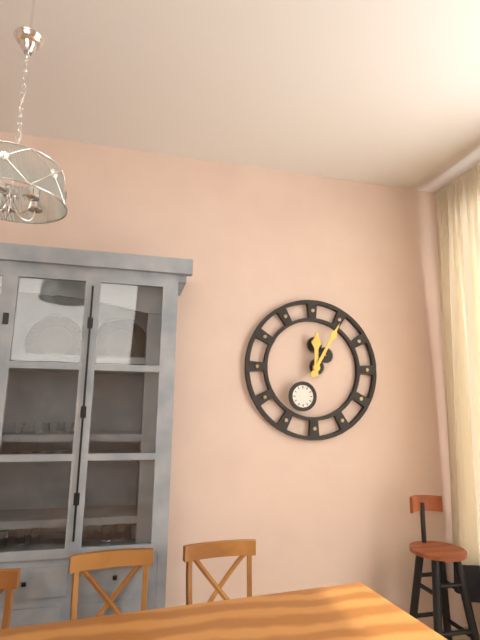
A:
12,05
